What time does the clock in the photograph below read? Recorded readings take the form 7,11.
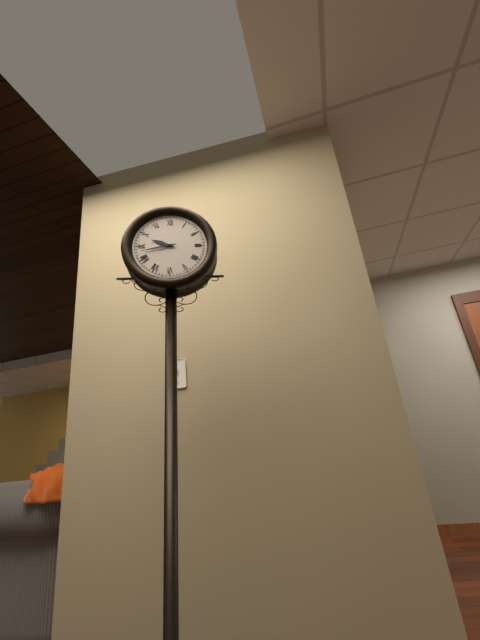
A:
9,43
